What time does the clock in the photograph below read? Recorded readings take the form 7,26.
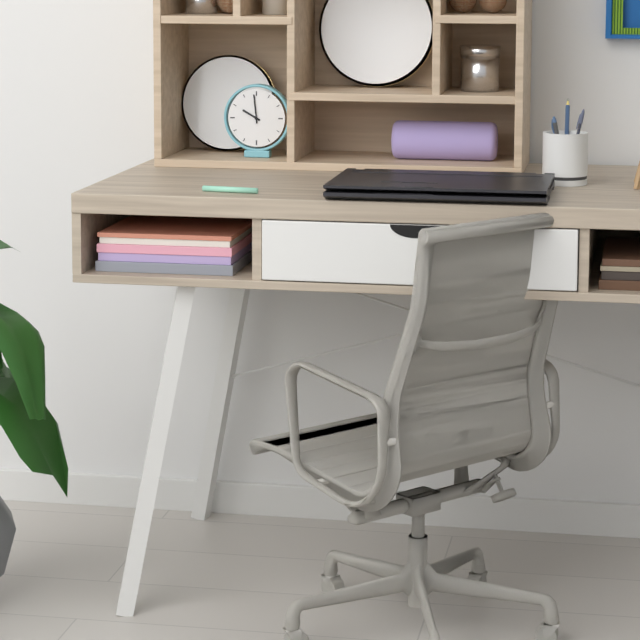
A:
9,59
